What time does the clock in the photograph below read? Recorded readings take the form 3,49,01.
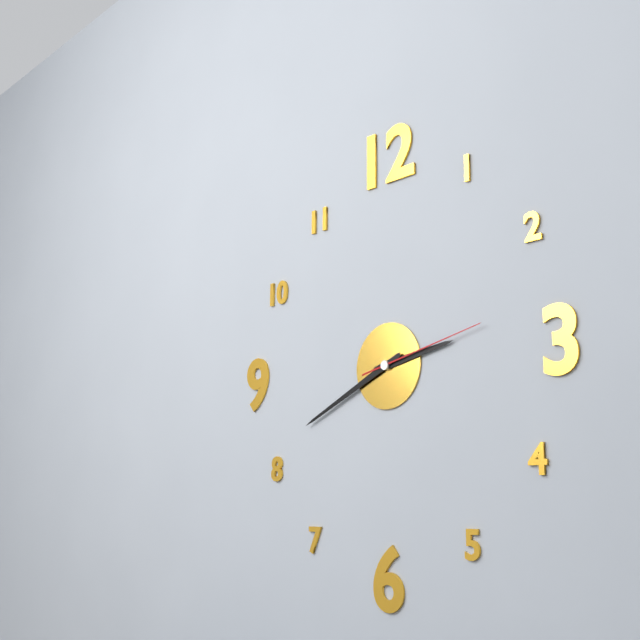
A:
2,41,13
